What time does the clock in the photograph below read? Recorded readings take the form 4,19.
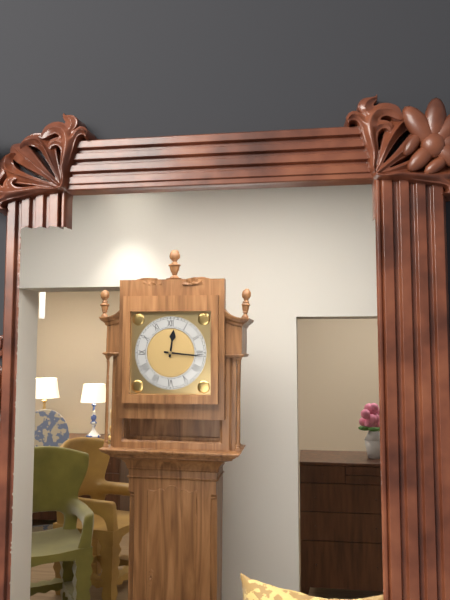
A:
12,16
